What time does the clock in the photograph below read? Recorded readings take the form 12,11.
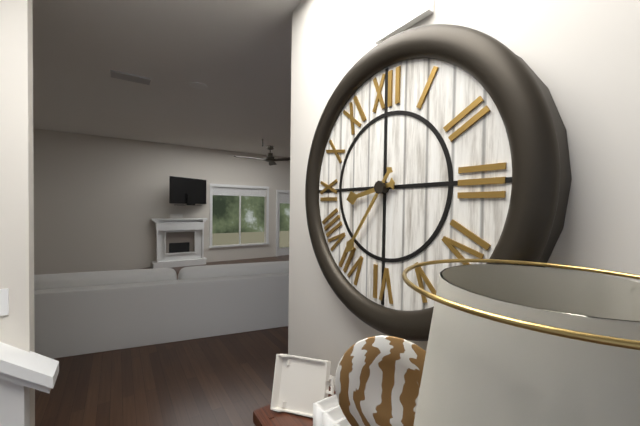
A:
8,36
